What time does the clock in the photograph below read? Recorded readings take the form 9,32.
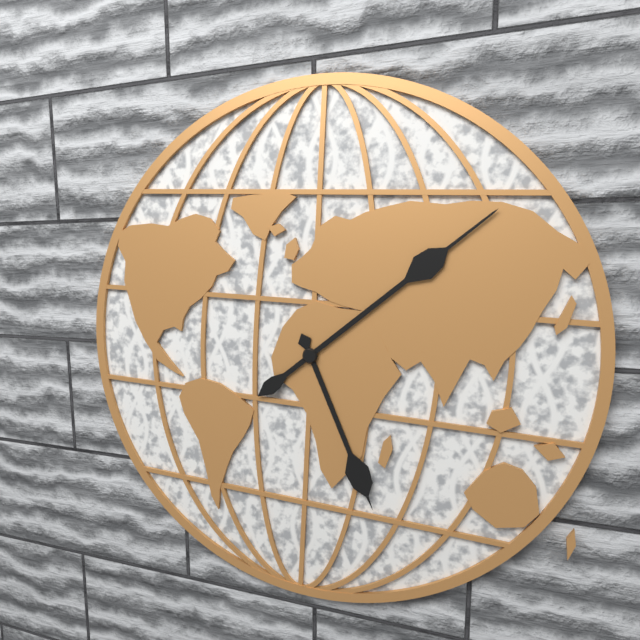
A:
5,08
